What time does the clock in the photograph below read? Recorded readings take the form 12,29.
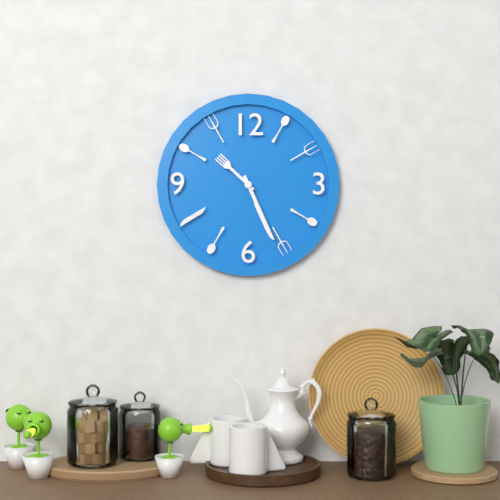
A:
10,26
